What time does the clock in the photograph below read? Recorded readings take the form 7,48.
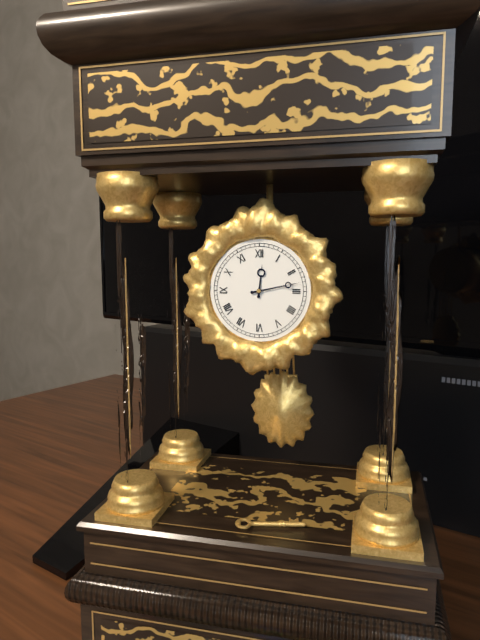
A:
12,13
